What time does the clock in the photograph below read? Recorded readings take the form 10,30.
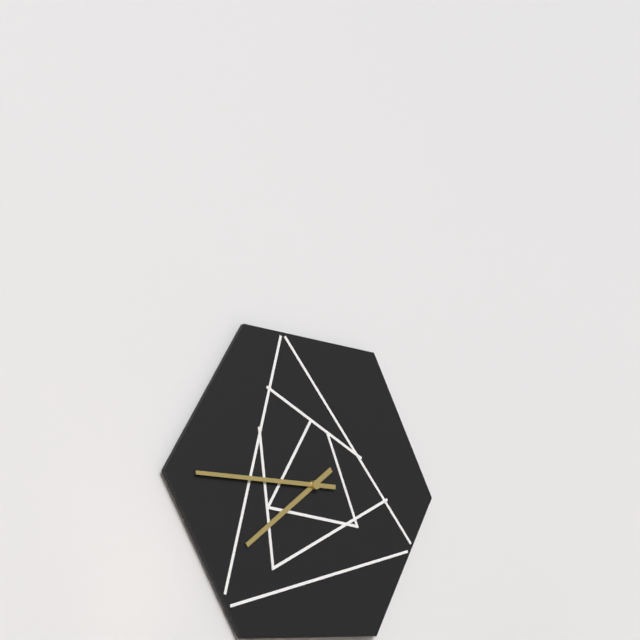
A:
7,45
